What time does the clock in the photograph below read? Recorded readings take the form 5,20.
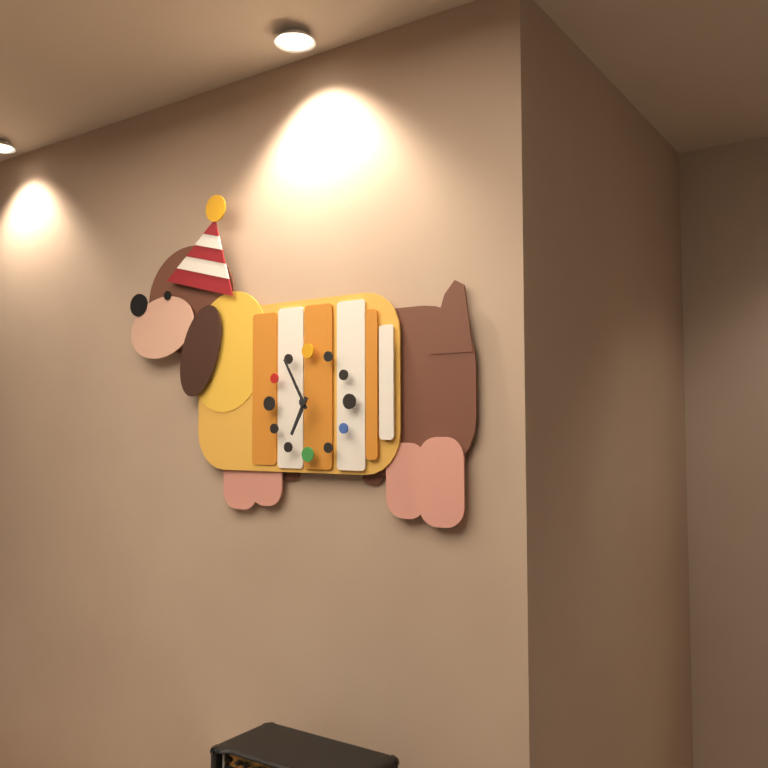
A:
6,55
